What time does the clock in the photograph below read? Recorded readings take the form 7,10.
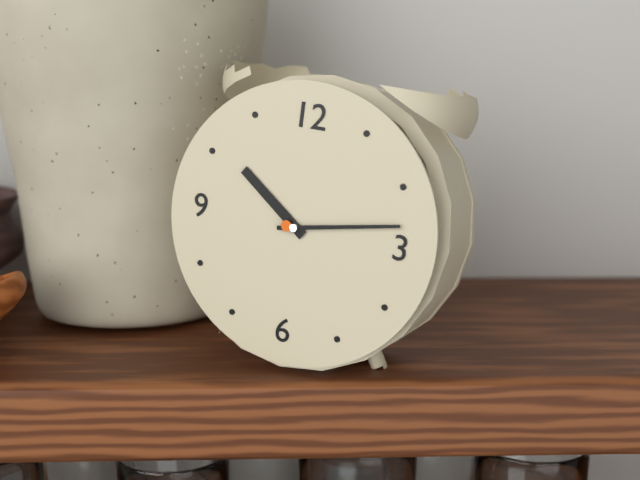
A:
10,13
